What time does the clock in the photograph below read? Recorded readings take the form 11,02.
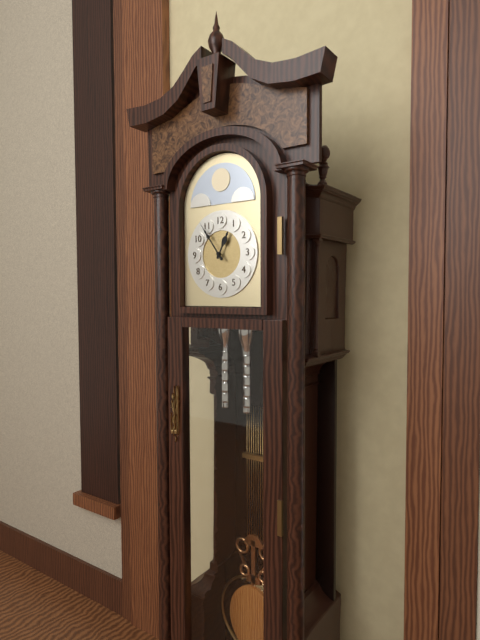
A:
12,54
